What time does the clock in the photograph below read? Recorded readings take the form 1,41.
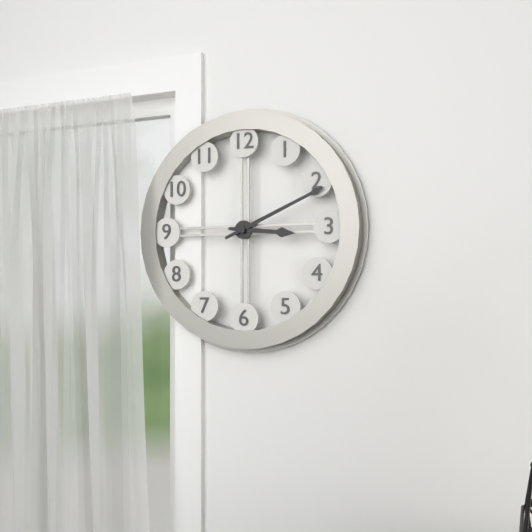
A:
3,11
